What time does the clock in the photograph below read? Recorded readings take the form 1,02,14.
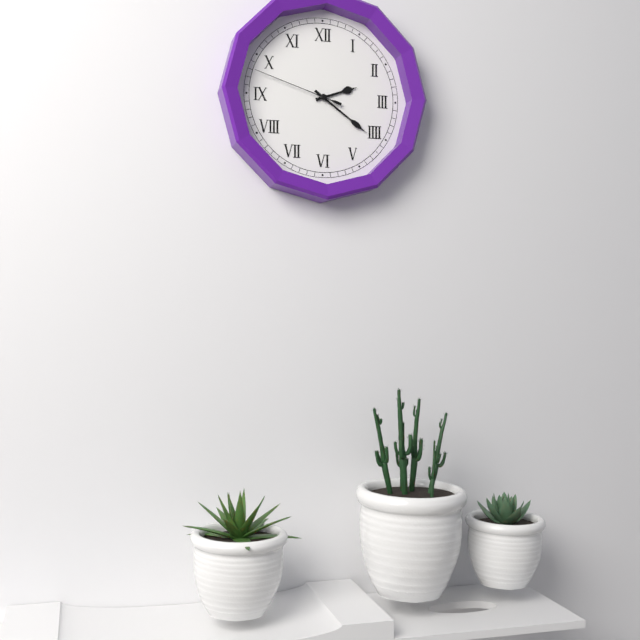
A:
2,21,48
